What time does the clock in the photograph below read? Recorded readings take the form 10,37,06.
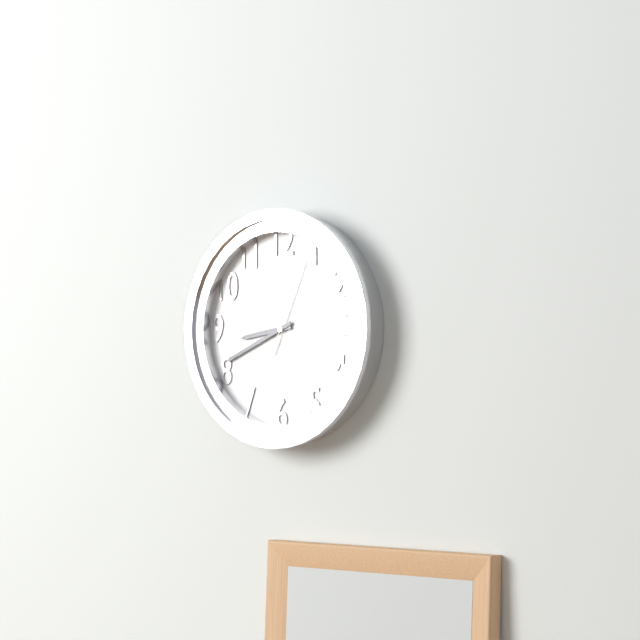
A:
8,41,04
